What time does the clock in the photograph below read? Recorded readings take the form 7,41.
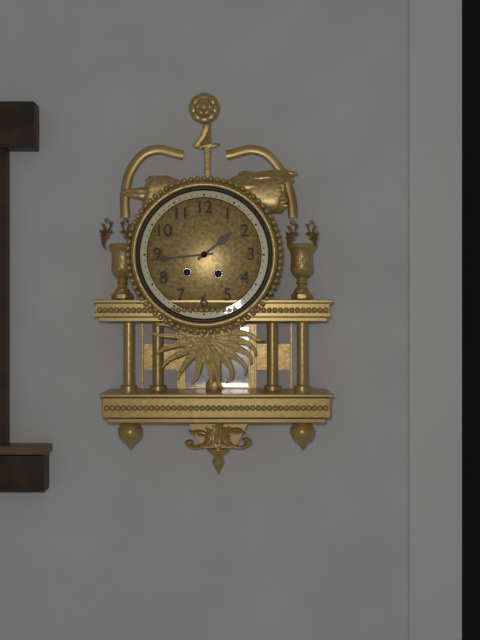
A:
1,44
